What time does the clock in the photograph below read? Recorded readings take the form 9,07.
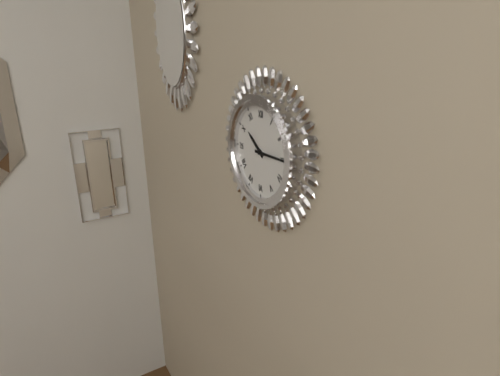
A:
10,15
